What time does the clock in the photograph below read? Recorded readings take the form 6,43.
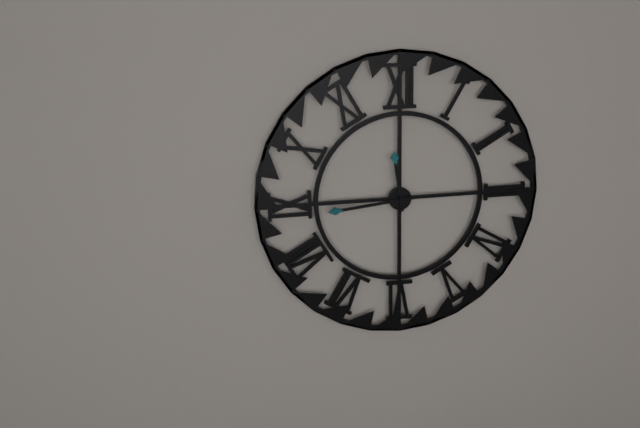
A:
11,44
